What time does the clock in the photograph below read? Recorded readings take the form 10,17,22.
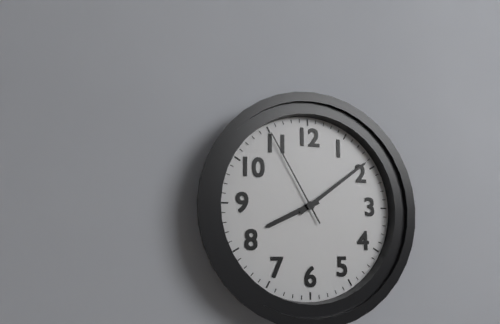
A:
8,09,55
